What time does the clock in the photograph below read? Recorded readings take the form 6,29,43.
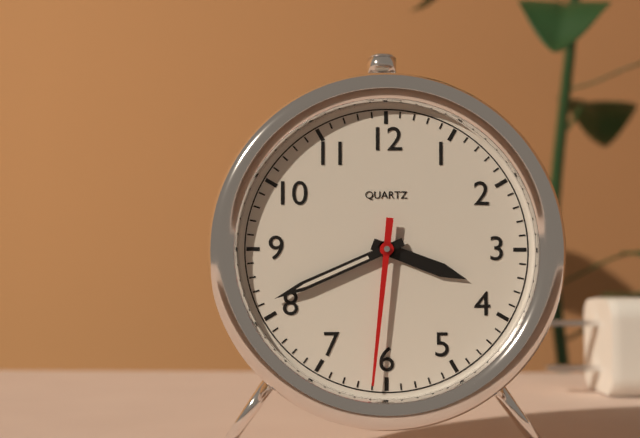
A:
3,41,31
